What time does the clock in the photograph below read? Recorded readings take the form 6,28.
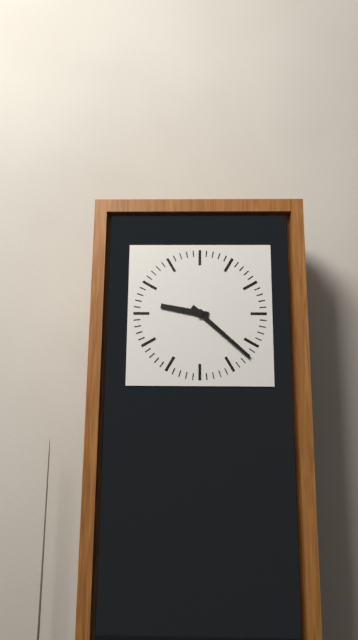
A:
9,22
